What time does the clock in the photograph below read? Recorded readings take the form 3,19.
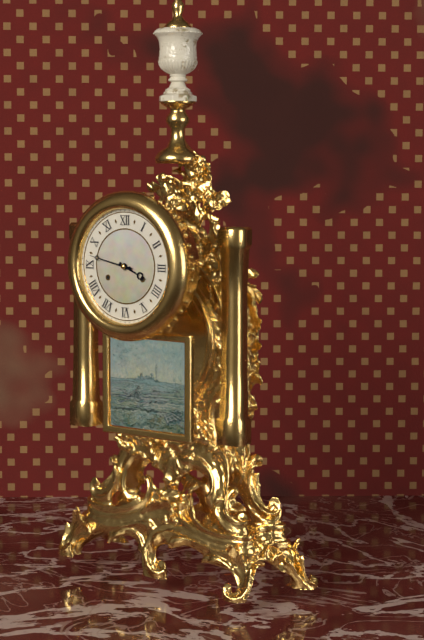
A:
3,47
